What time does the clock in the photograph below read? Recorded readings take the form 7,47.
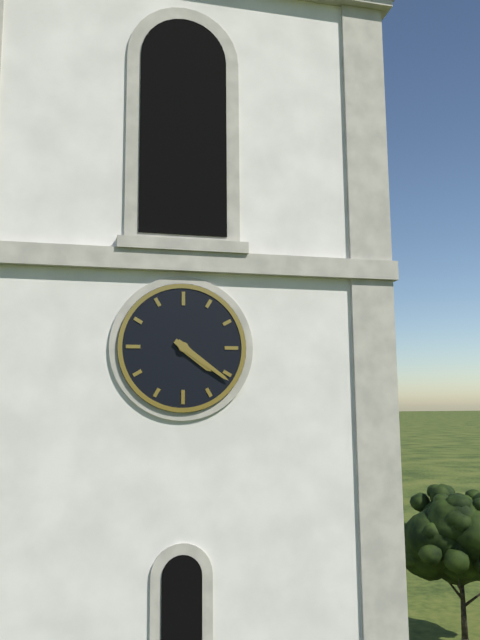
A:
4,21
